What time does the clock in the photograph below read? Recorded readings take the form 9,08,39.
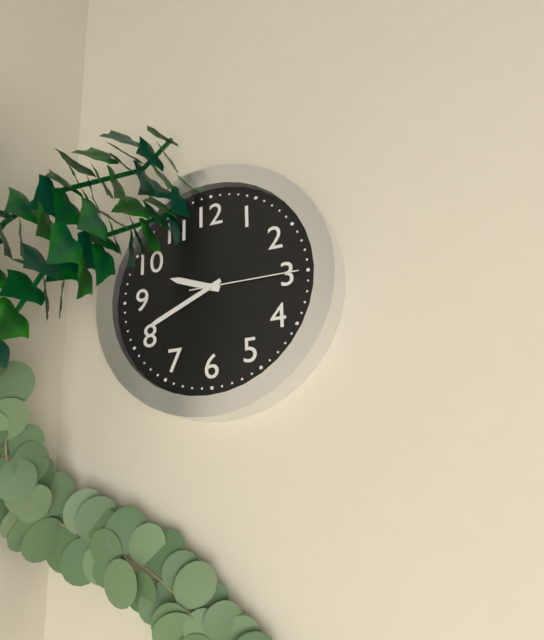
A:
9,41,15
